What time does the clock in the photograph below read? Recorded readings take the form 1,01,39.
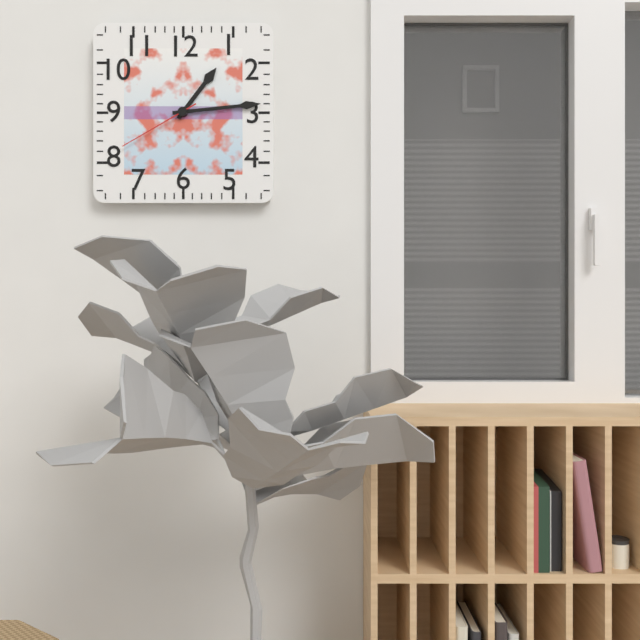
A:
1,14,40
